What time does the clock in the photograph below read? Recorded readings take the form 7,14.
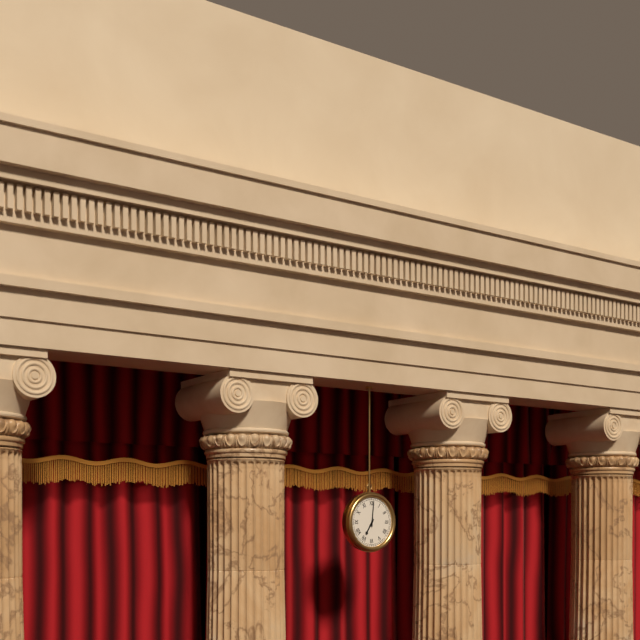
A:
7,01
